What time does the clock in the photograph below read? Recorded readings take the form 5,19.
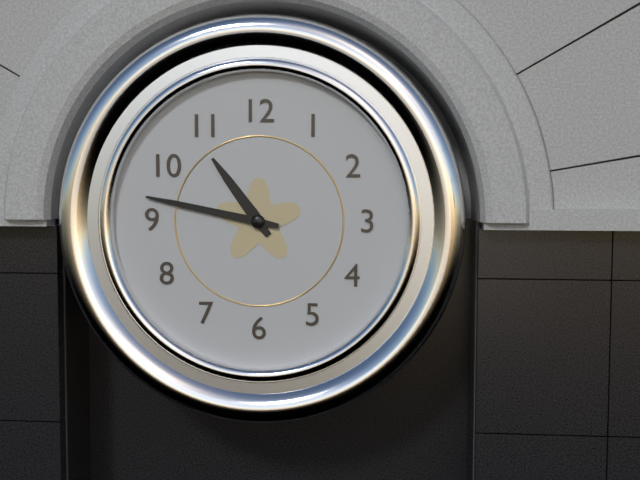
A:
10,47
